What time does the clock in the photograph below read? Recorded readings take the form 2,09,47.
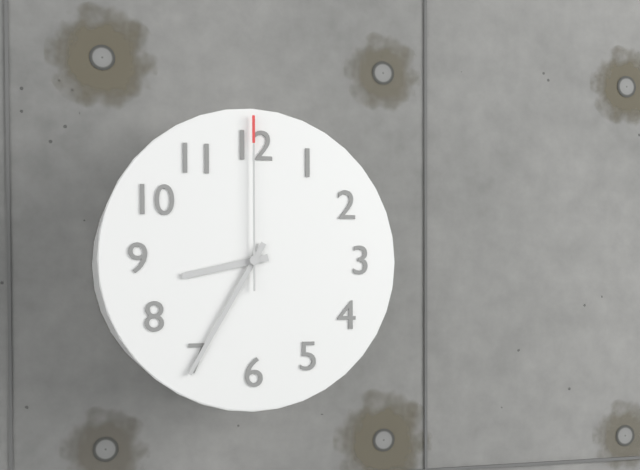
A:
8,35,00
